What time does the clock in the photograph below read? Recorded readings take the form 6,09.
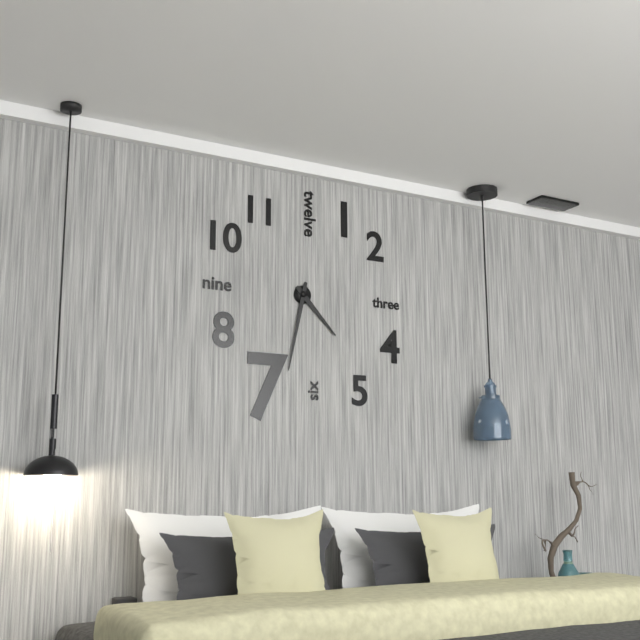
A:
4,32
